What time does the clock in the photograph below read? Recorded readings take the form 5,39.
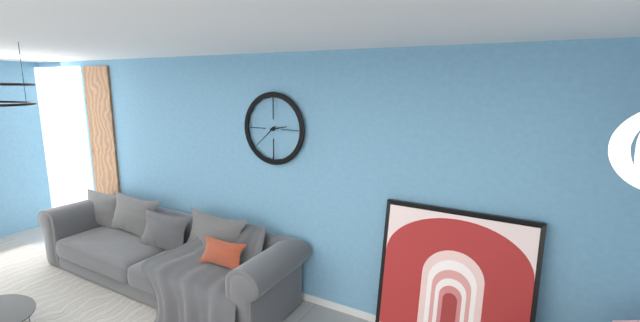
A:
2,38
